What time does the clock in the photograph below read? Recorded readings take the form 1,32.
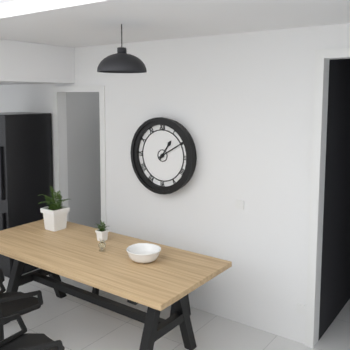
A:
1,10
